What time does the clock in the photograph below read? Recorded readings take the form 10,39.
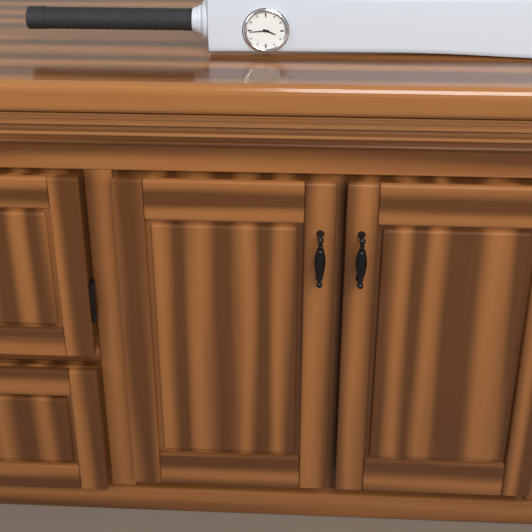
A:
3,44
